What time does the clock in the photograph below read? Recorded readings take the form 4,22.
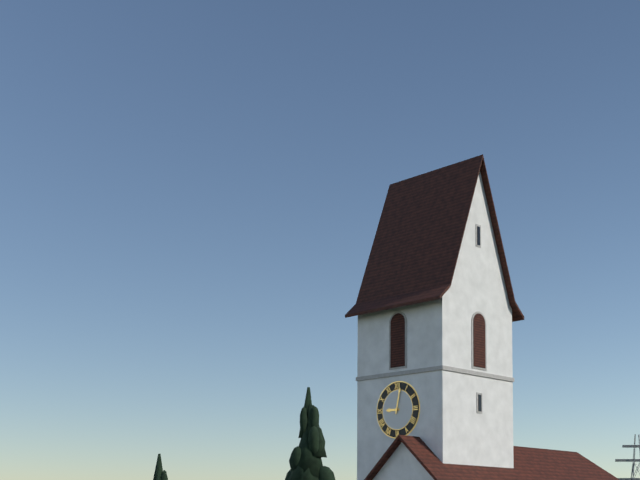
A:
9,02
